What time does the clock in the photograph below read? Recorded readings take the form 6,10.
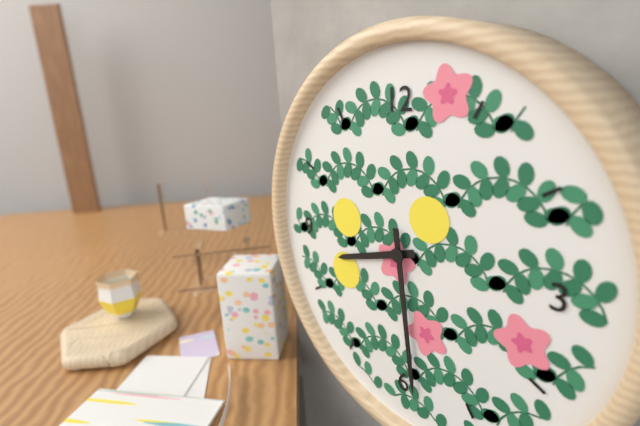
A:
8,29
